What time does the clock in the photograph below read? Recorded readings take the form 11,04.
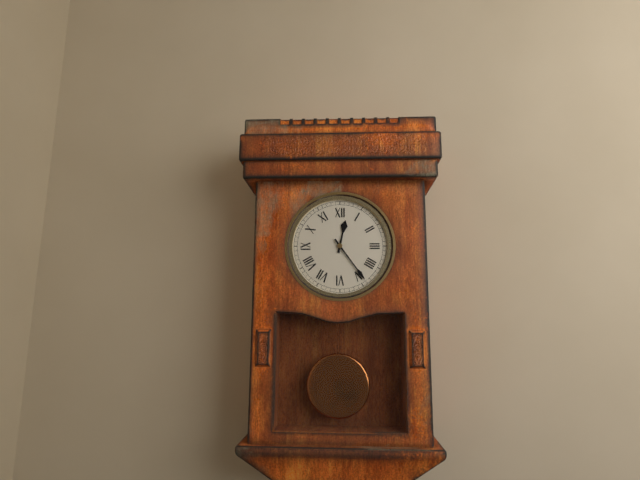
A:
12,24
